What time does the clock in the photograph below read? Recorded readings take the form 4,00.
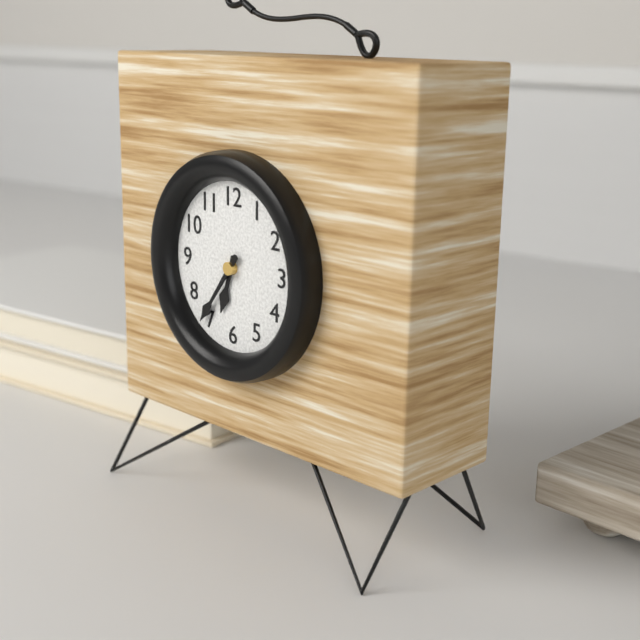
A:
6,36
